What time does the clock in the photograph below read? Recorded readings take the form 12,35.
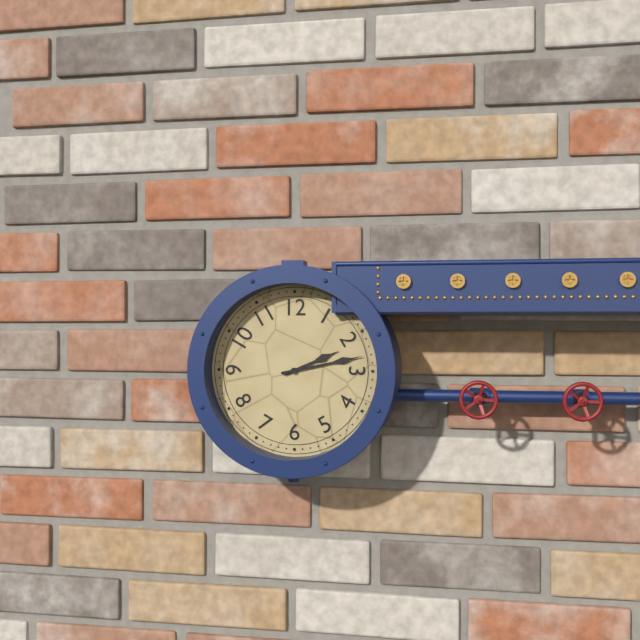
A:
2,13
